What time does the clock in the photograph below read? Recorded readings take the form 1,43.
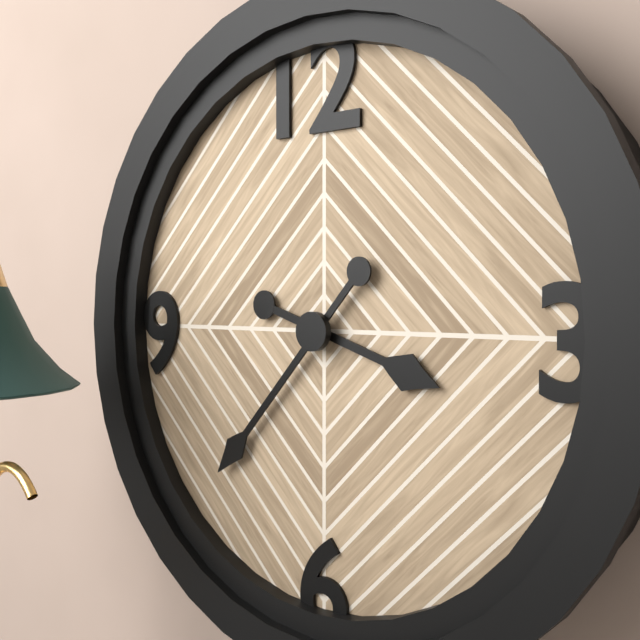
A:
3,37
